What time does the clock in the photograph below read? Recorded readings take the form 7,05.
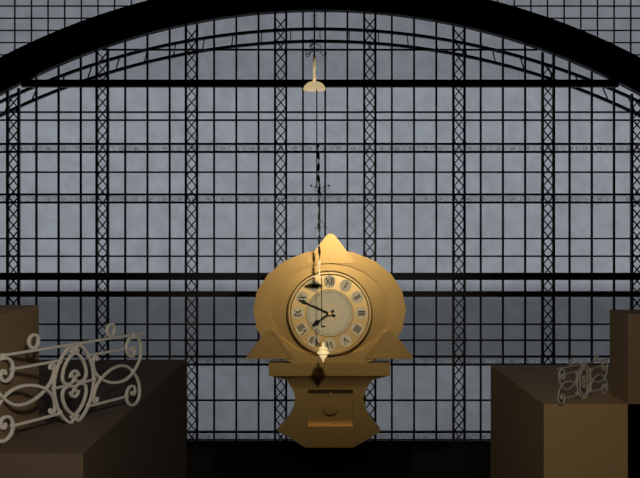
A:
7,49
